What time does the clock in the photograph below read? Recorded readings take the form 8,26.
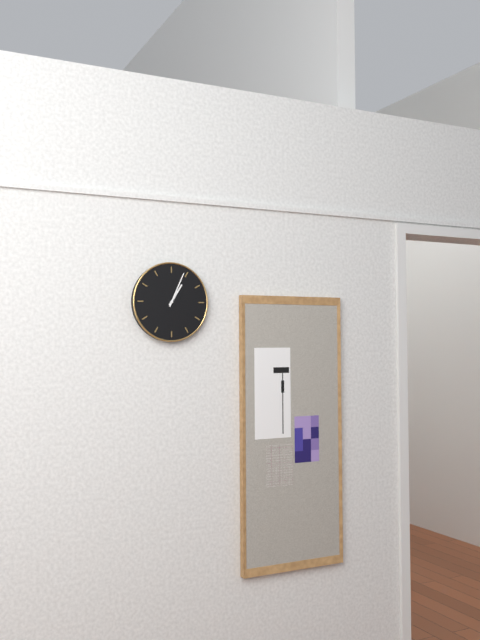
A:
1,04
